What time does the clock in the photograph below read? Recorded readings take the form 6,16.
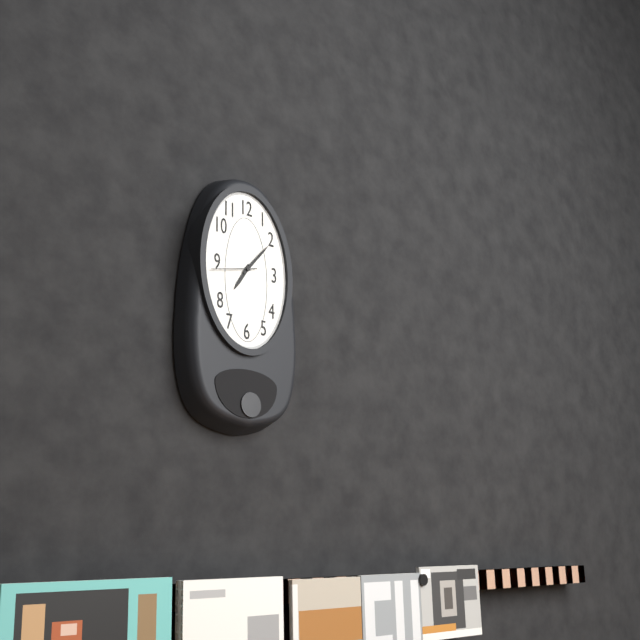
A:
7,07
